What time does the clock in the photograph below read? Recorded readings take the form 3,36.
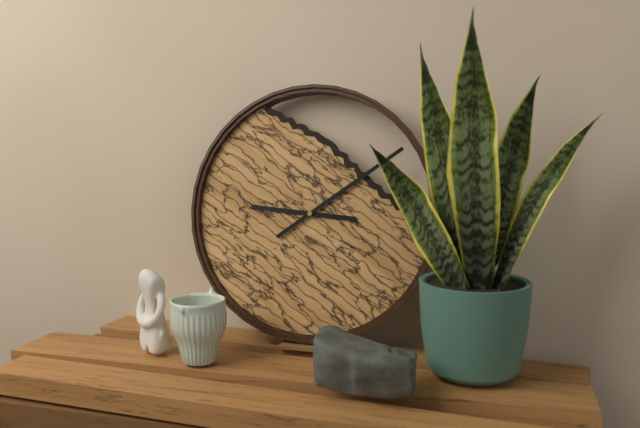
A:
9,09
